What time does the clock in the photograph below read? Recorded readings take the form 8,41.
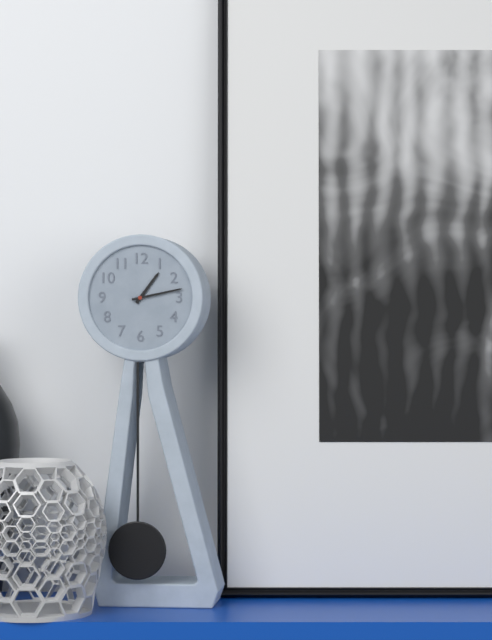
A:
1,13
